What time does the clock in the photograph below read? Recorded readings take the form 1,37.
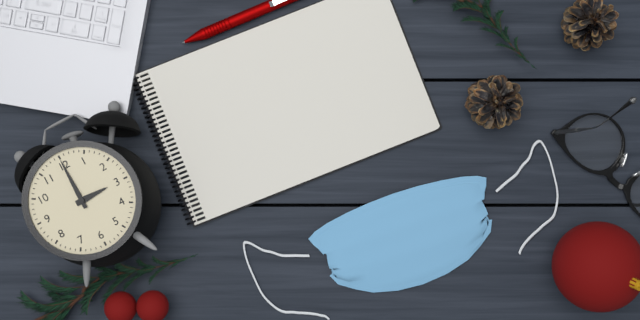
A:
3,00
